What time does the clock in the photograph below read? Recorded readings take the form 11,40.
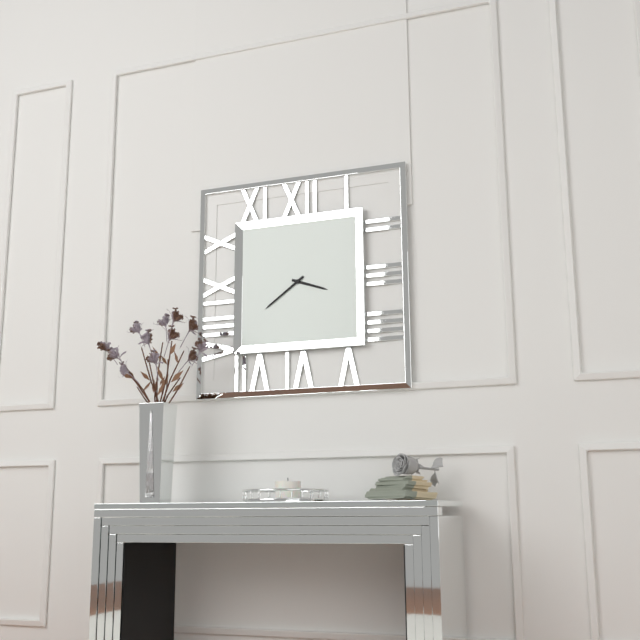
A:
3,39
